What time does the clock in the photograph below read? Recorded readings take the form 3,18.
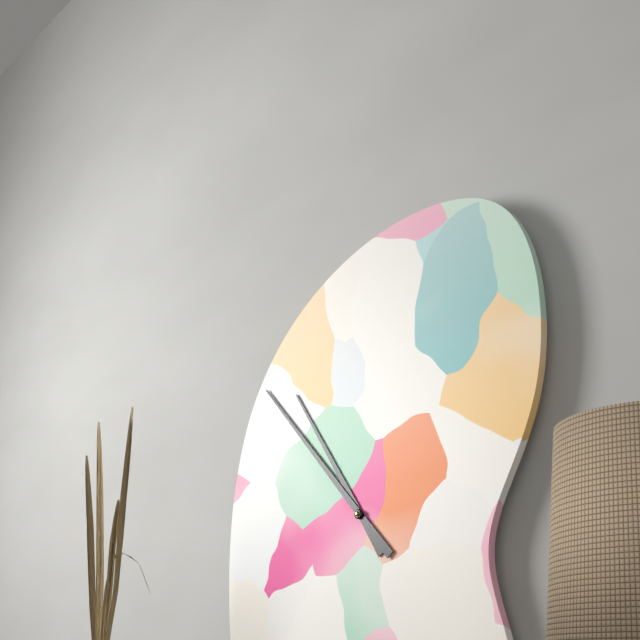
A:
10,53
